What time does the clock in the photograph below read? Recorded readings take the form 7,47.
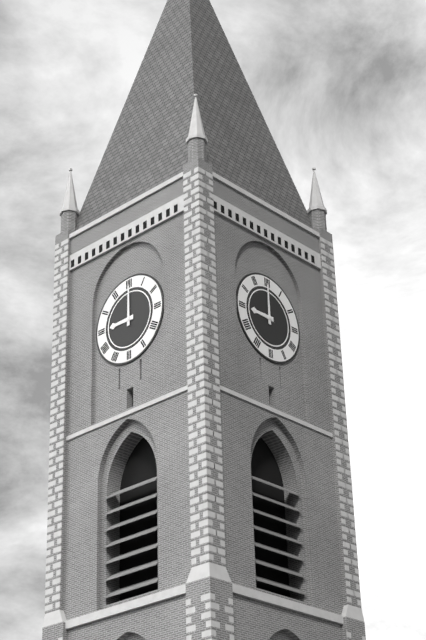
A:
9,00
